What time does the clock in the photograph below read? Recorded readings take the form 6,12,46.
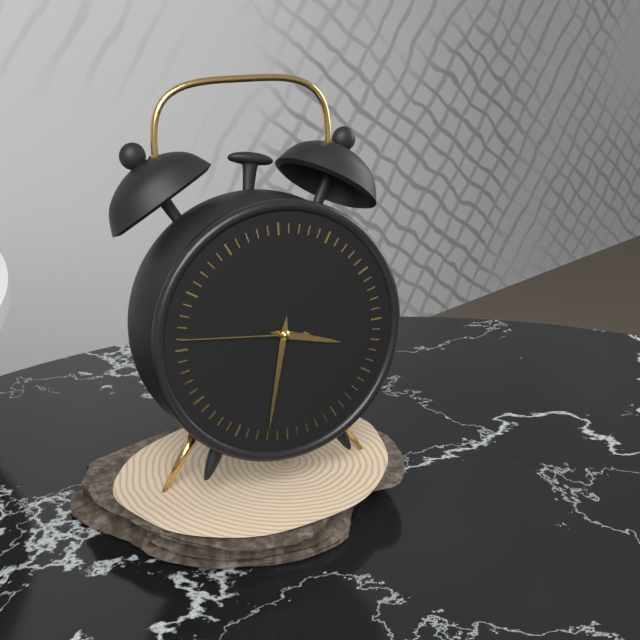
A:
3,32,46
